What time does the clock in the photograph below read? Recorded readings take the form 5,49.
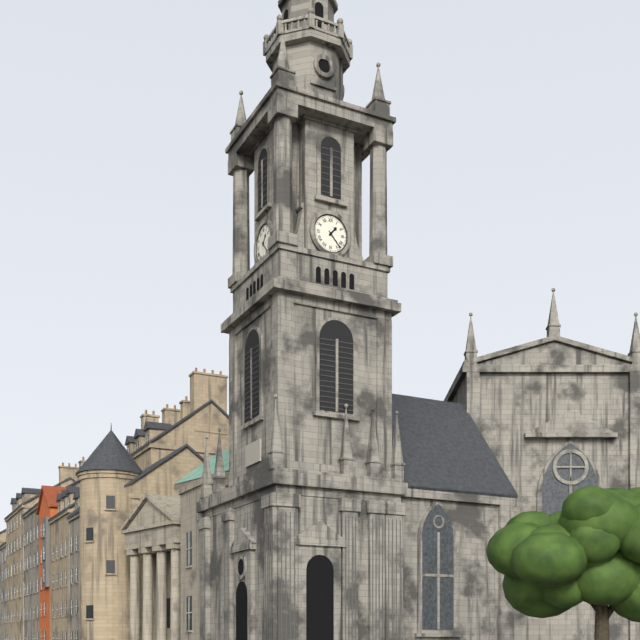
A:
1,23
